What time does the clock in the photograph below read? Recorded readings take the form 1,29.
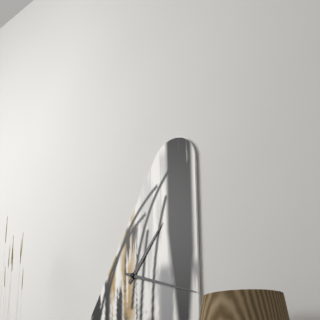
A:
1,18
